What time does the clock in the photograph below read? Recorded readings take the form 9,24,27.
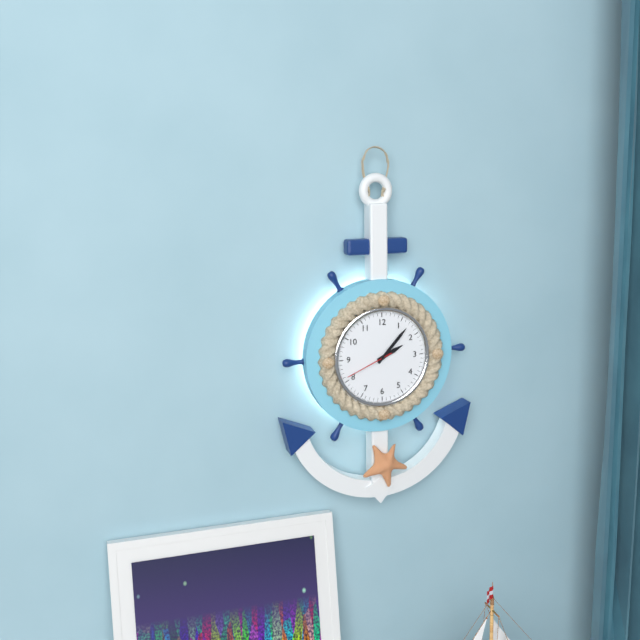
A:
2,07,41
